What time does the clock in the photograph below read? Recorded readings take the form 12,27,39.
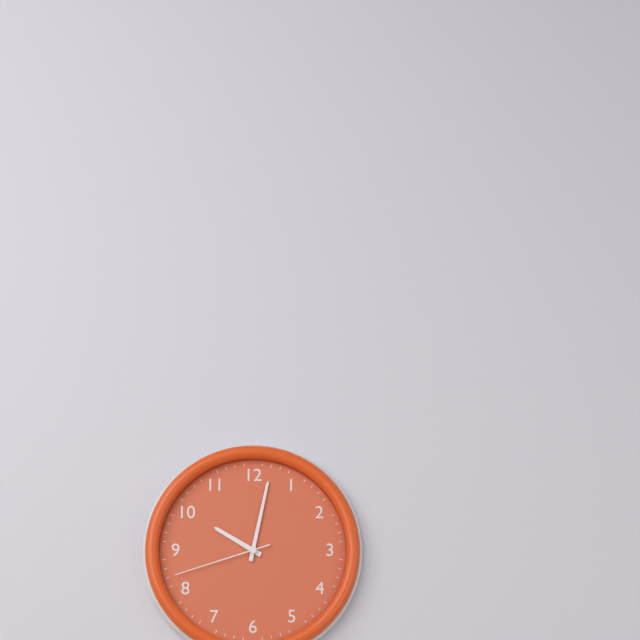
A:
10,02,42
